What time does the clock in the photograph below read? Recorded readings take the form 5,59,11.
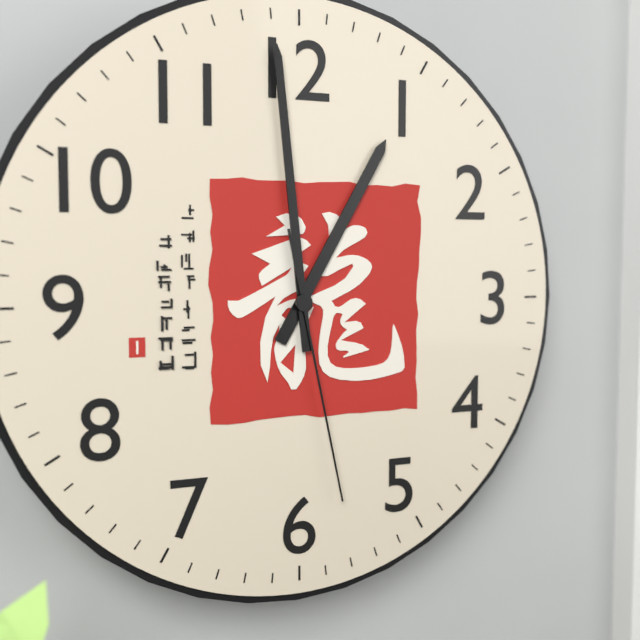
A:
12,59,28
